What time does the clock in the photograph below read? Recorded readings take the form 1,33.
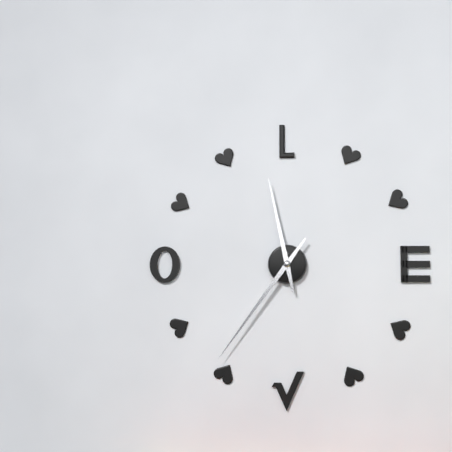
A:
11,36
